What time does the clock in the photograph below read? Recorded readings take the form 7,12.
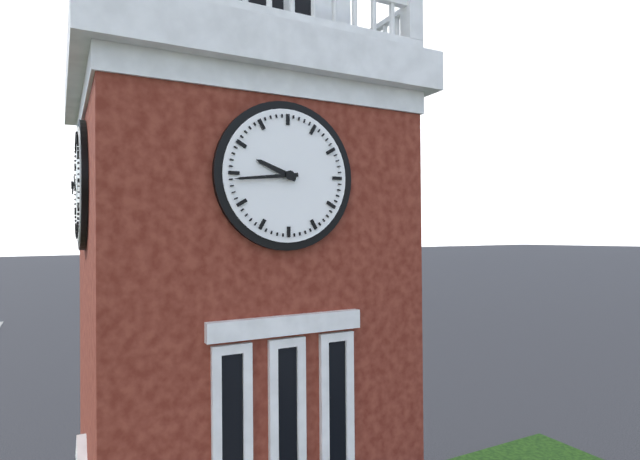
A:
9,44
